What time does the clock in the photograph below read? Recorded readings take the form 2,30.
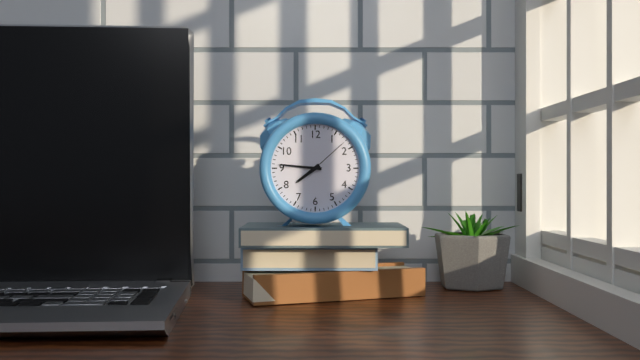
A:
7,46
